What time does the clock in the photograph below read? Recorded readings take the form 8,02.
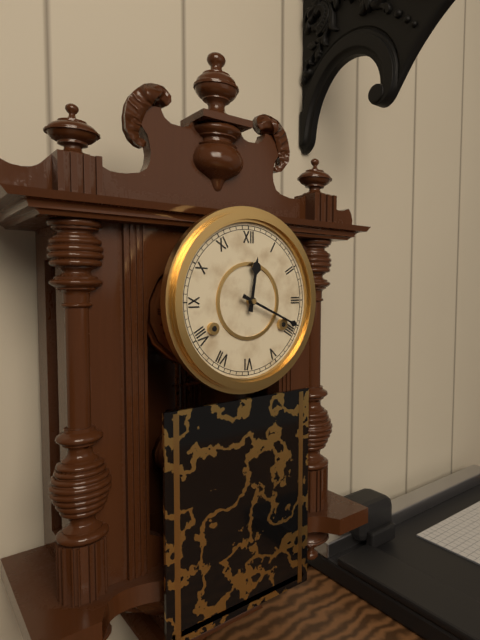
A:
12,19
